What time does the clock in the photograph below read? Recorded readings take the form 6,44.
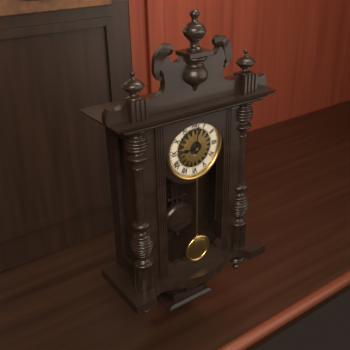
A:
9,01
